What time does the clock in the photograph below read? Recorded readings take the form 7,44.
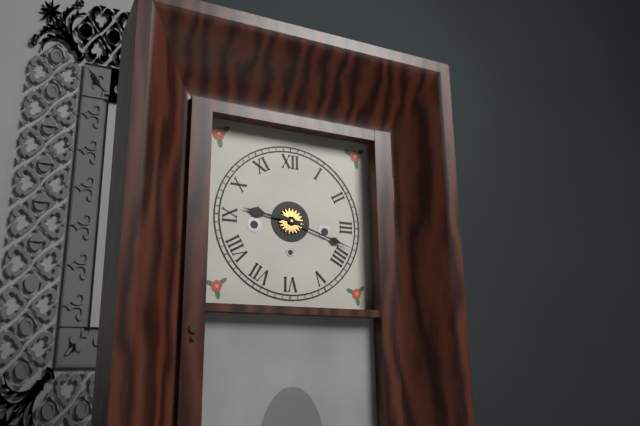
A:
9,18
